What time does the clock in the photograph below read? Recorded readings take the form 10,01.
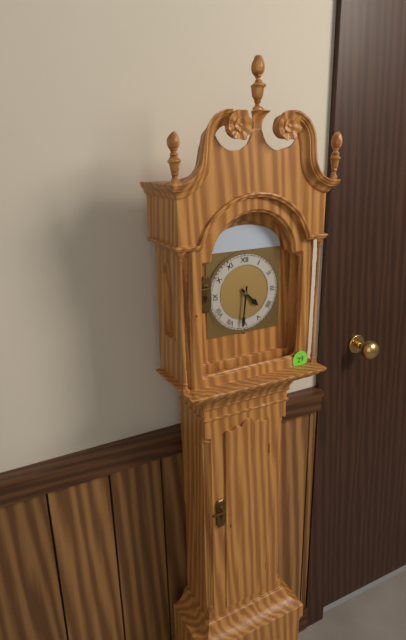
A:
4,31
